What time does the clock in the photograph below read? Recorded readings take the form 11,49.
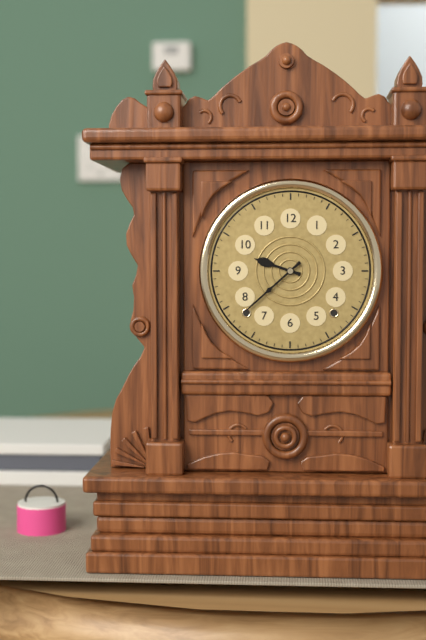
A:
9,38
